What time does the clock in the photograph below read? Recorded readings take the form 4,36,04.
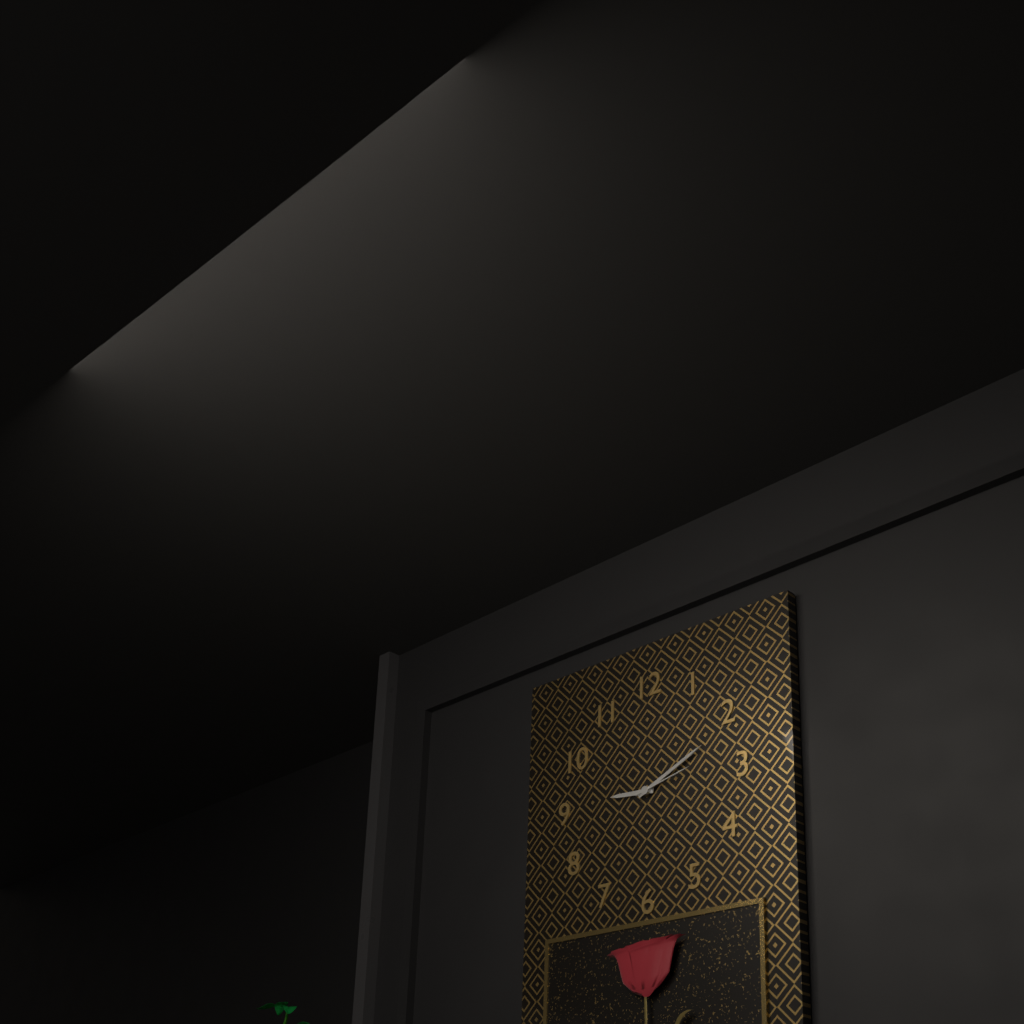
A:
9,11,13
